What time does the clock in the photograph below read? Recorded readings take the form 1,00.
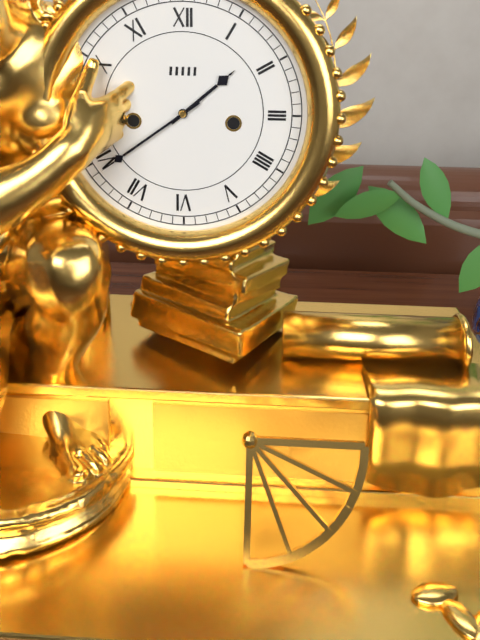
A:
1,39
